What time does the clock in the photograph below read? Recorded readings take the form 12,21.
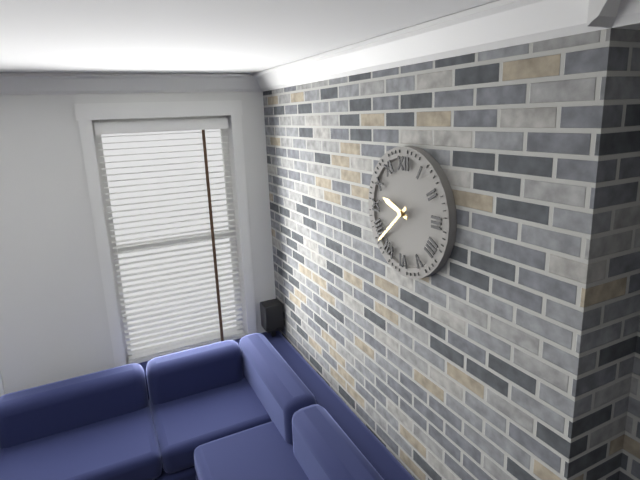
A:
9,38
